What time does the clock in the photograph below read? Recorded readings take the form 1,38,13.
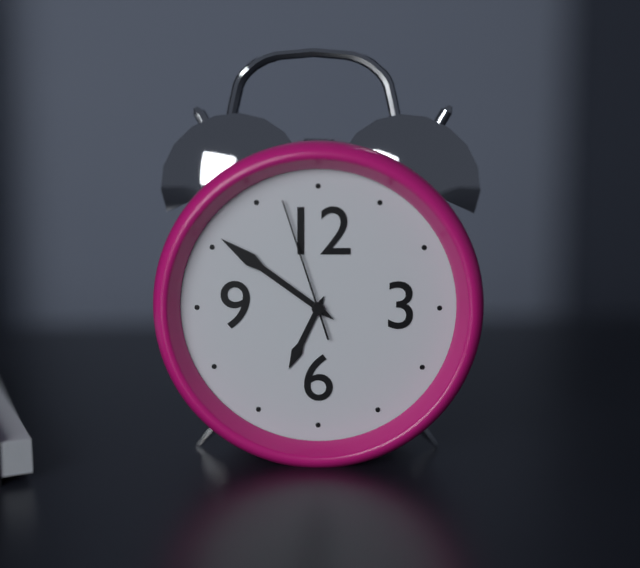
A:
6,51,57
